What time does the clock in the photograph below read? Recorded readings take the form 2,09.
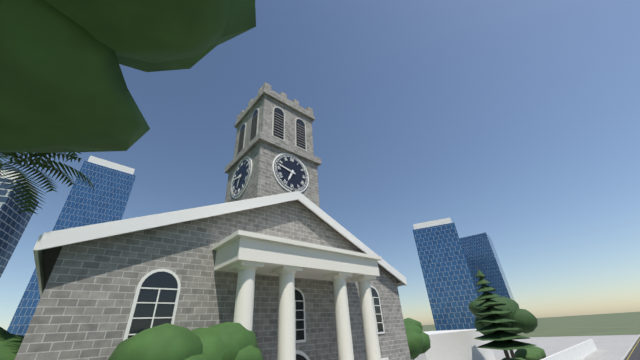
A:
6,47
